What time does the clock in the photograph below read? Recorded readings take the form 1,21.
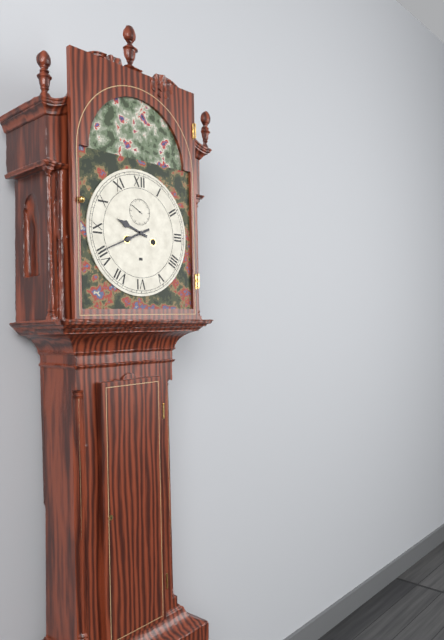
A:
9,41
